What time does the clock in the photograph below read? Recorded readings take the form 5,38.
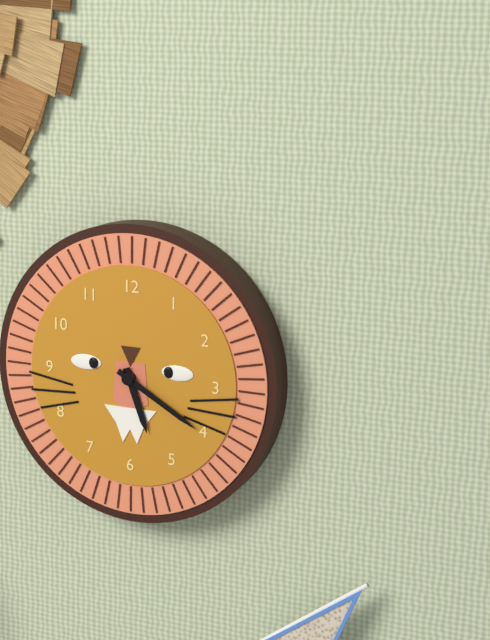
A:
5,20
